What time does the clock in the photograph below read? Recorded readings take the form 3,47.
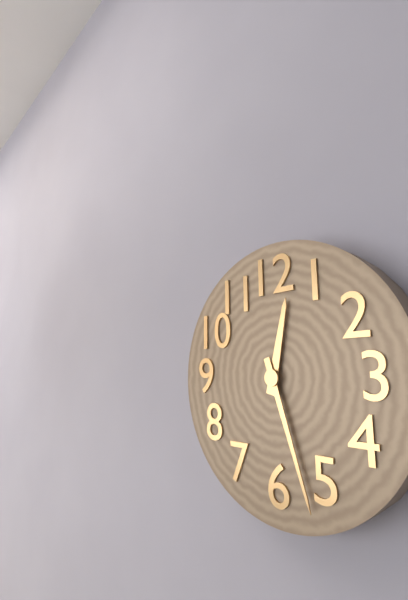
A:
12,27
